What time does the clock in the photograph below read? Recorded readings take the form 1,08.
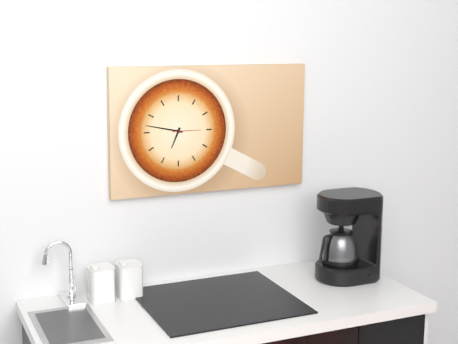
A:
6,47
